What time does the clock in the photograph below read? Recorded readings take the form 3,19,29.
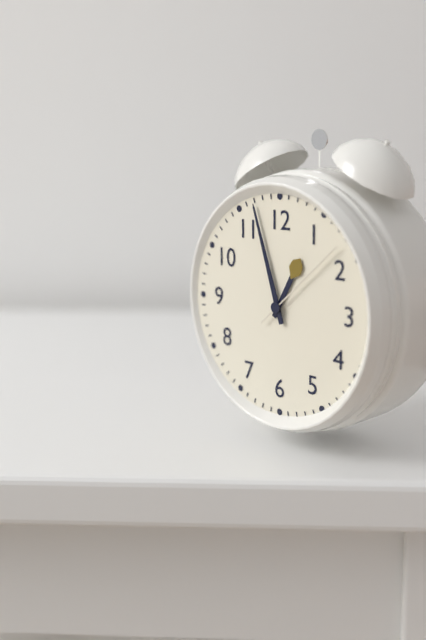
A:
12,57,08
